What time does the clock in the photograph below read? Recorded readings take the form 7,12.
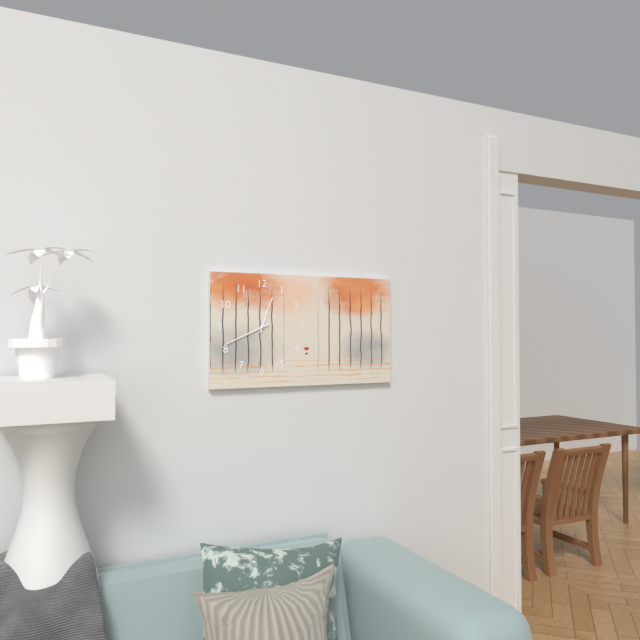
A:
12,41
